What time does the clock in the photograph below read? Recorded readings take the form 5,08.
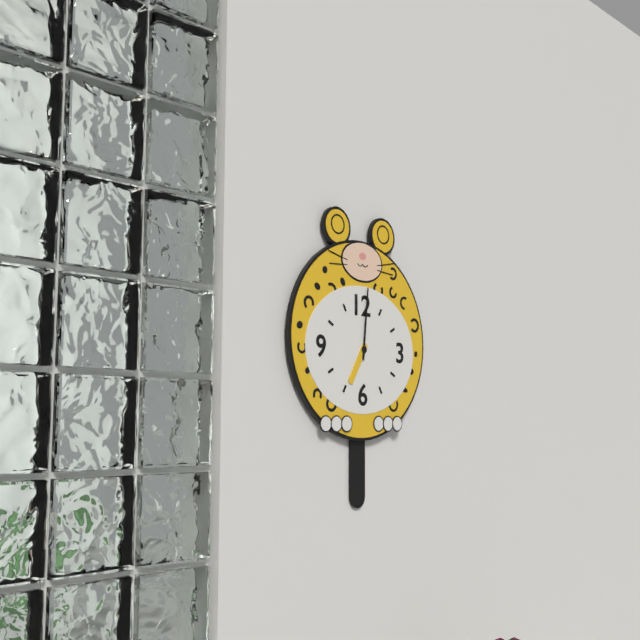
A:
7,01
